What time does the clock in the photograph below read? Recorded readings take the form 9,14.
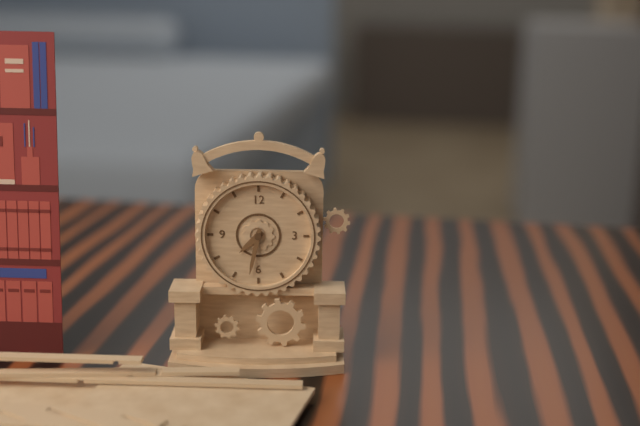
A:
7,32
